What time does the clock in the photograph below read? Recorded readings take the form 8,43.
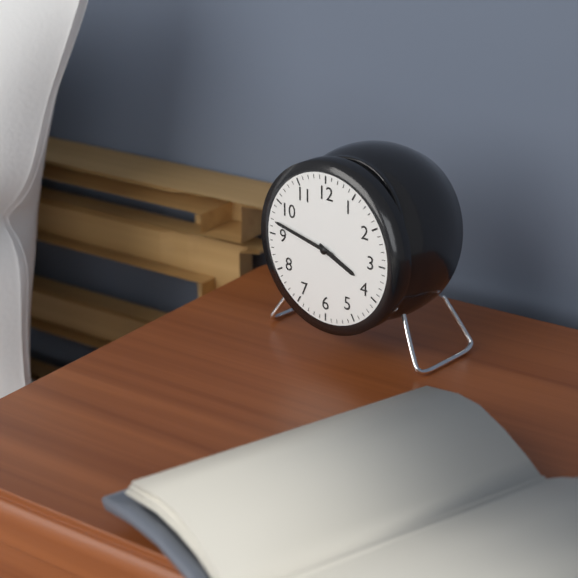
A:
3,47
